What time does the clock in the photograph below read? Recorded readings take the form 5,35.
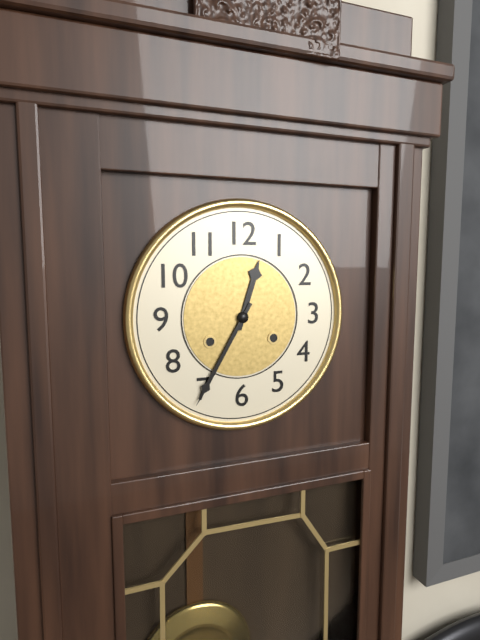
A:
12,35
